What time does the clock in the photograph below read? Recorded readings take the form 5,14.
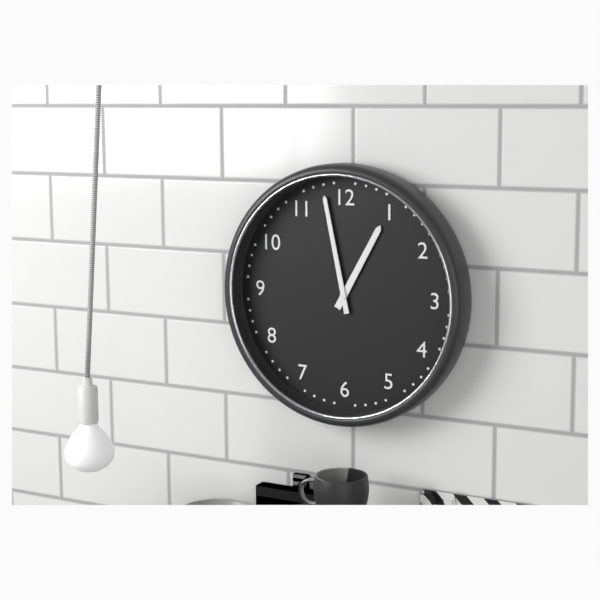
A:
12,58
